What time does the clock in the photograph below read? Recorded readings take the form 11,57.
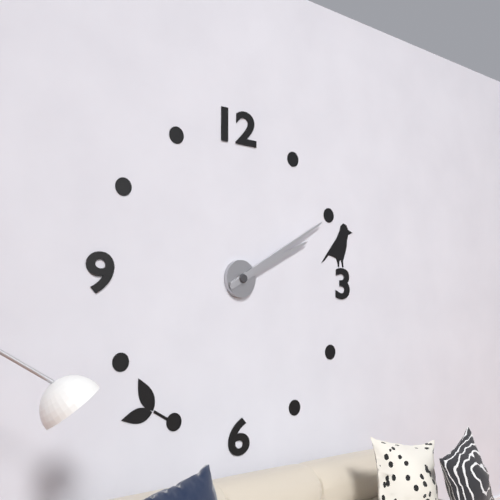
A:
2,10
